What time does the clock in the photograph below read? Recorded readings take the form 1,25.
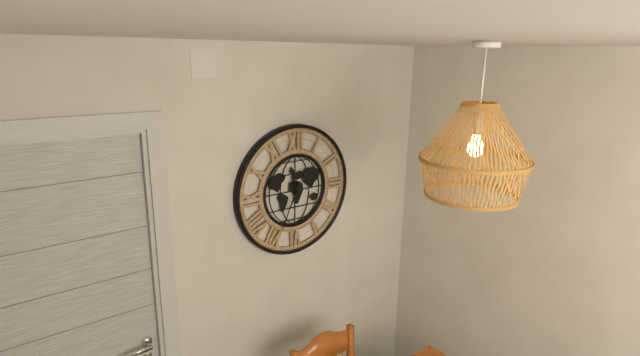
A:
11,34
